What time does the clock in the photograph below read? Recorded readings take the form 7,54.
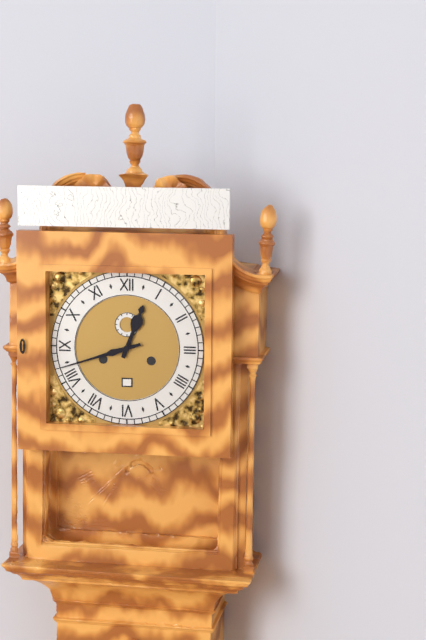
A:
12,42
